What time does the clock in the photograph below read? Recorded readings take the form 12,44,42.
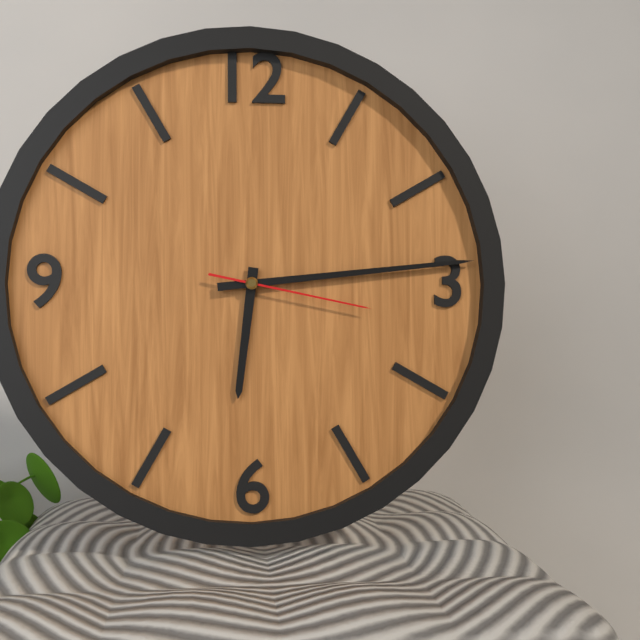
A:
6,14,17
